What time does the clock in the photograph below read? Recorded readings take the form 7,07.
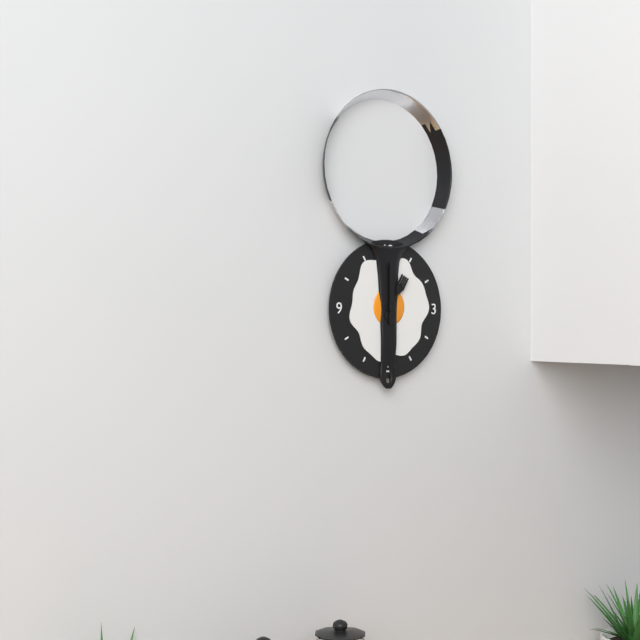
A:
1,00
